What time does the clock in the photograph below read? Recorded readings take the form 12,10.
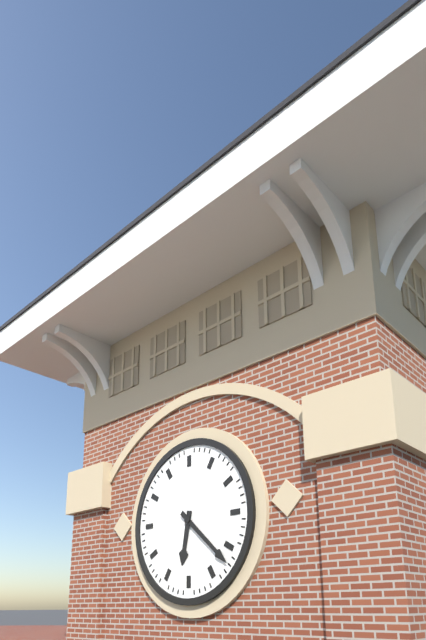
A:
6,22
